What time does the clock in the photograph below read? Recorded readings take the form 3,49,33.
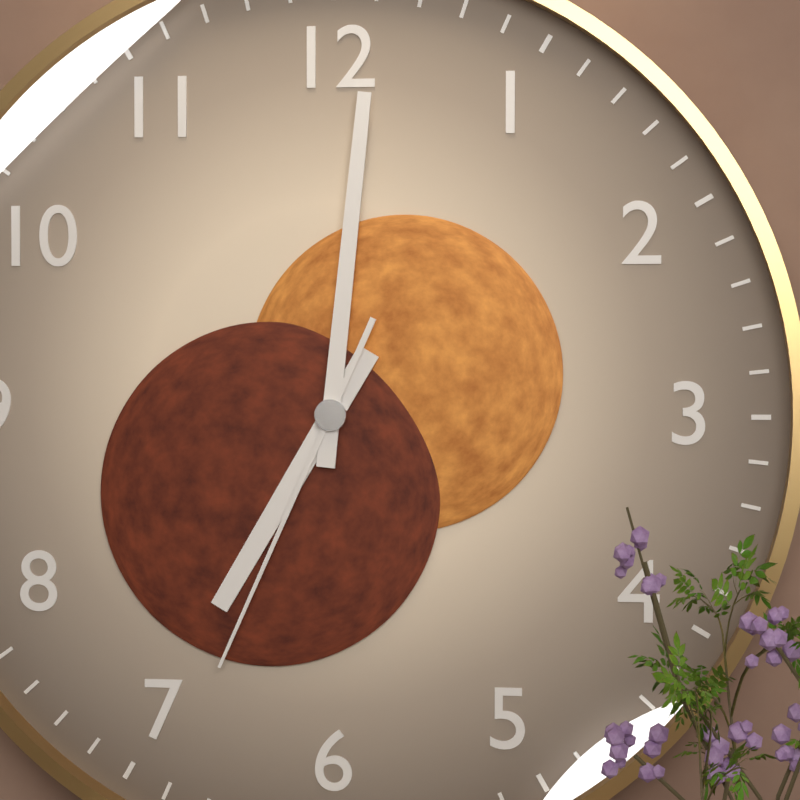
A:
7,01,34
